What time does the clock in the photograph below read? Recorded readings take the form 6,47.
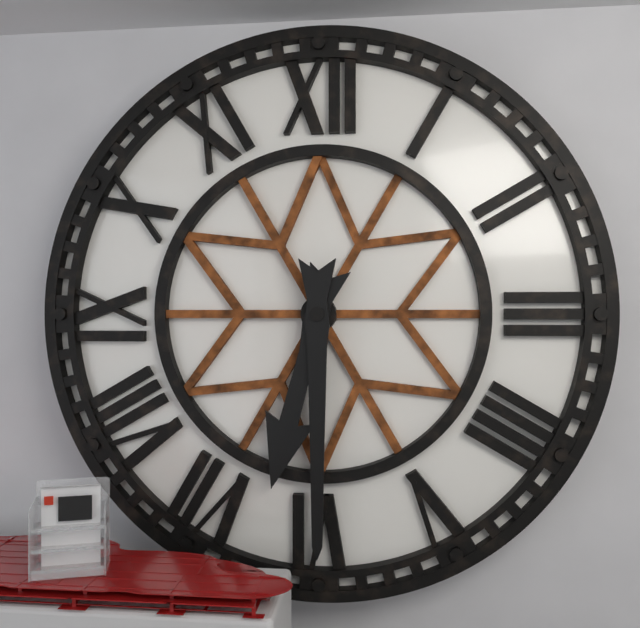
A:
6,30
